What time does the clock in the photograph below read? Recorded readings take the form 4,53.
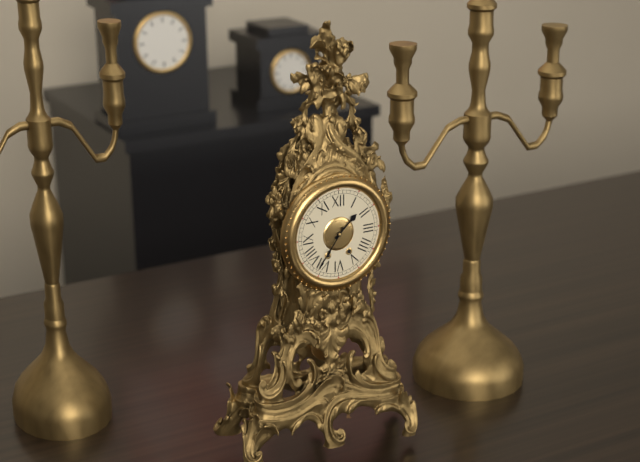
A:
1,36
